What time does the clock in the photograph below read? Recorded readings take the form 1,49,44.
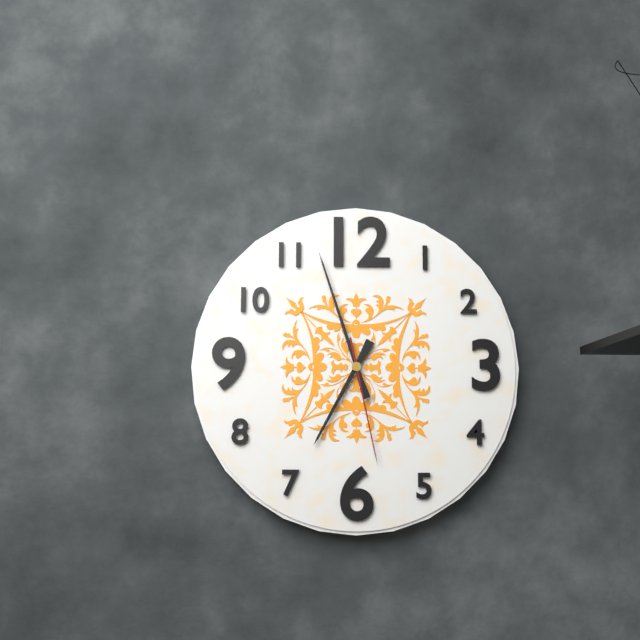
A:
6,57,28
